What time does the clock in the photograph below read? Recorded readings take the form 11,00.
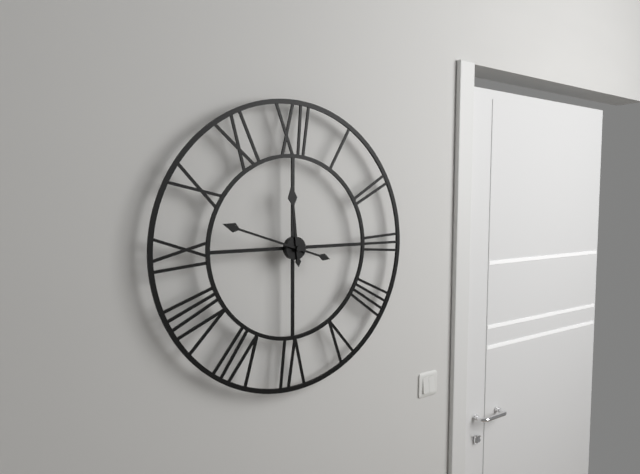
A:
11,48
